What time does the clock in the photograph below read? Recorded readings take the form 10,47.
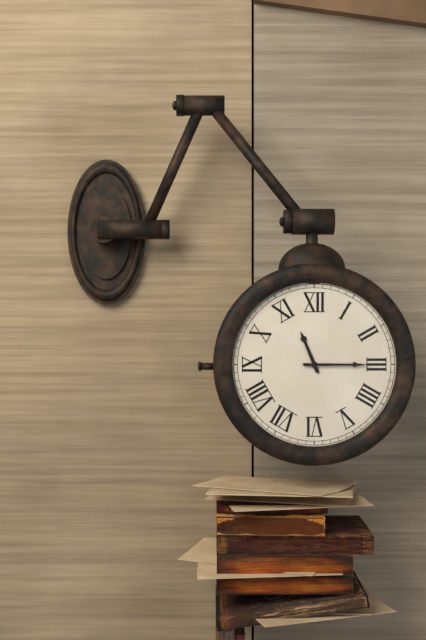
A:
11,15
